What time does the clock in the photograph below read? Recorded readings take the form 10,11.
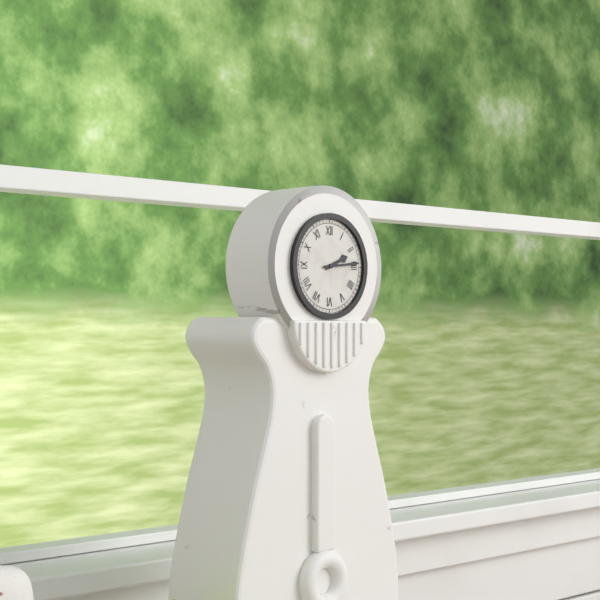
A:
2,14
